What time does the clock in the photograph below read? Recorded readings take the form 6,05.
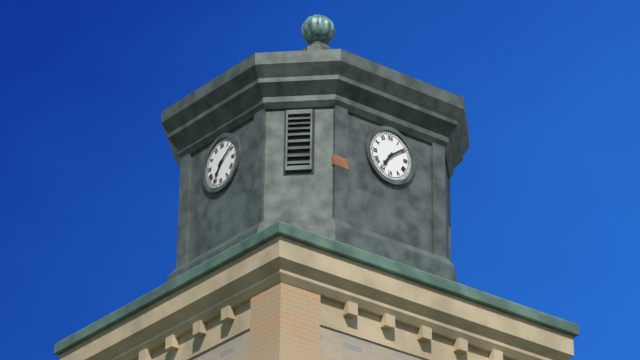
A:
7,09
